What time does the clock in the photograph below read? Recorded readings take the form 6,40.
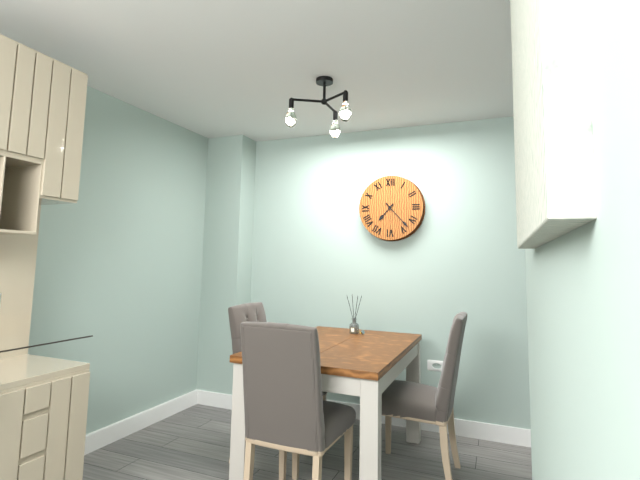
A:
7,23
